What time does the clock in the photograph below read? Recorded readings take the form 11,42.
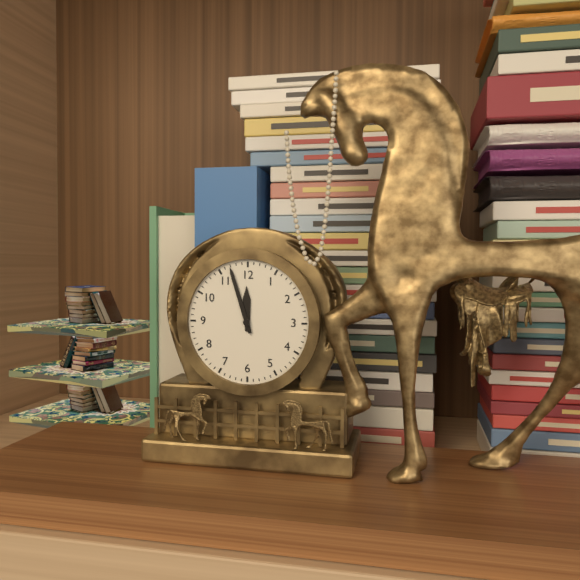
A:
11,57
